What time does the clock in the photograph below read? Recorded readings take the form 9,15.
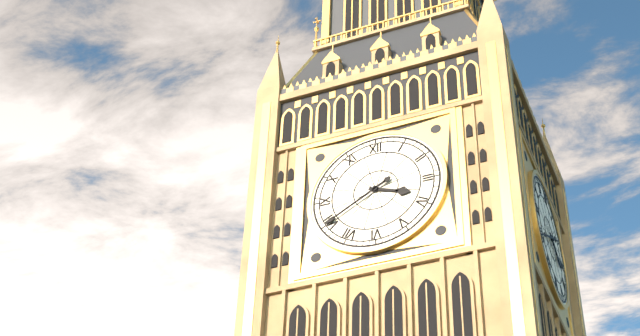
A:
3,40
